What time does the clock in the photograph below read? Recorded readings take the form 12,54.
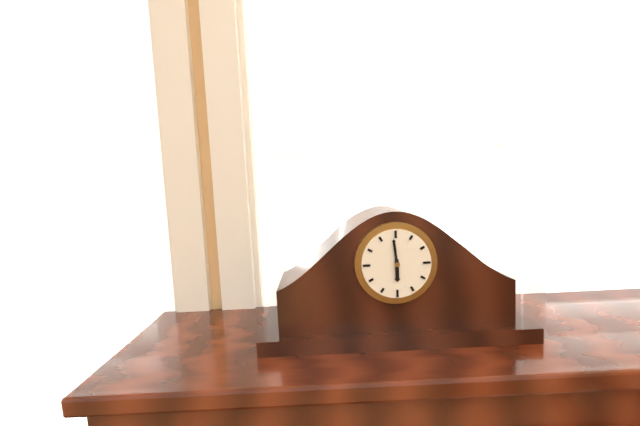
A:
5,59
